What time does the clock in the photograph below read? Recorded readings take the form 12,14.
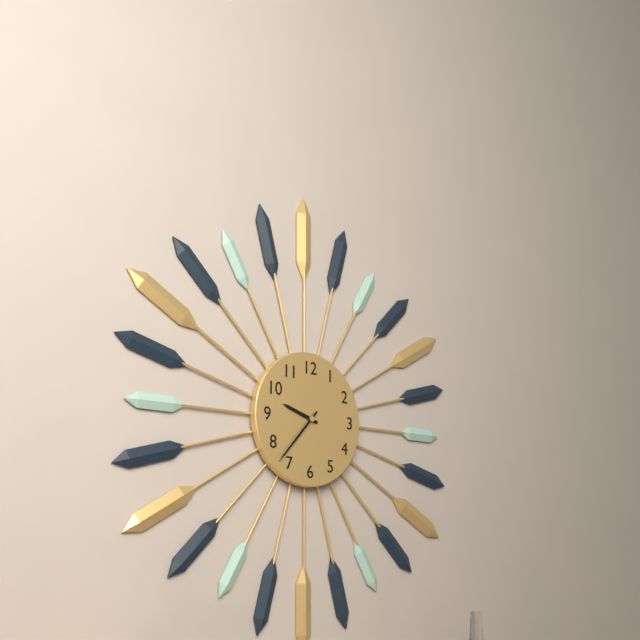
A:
9,37
